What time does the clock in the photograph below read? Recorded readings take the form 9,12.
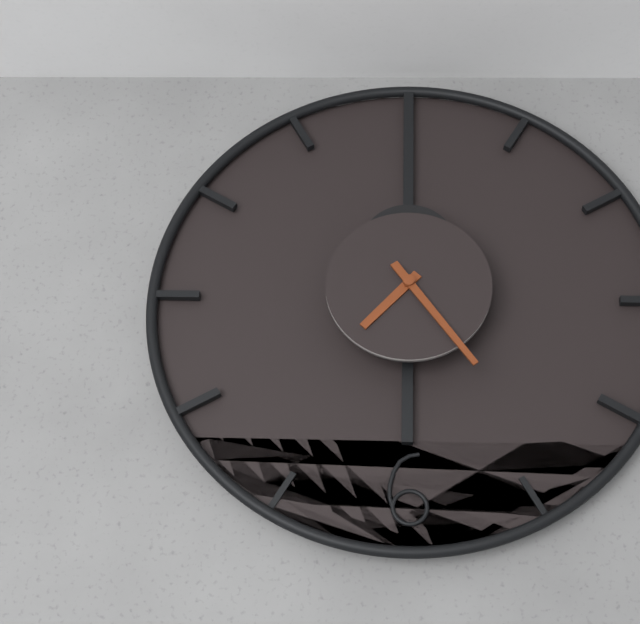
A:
7,24
